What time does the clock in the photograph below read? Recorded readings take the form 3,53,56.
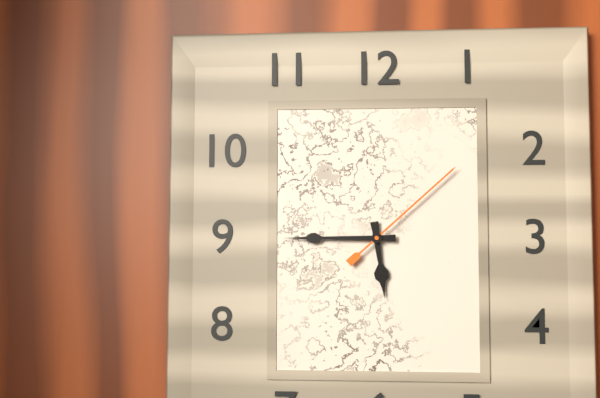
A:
5,45,08
